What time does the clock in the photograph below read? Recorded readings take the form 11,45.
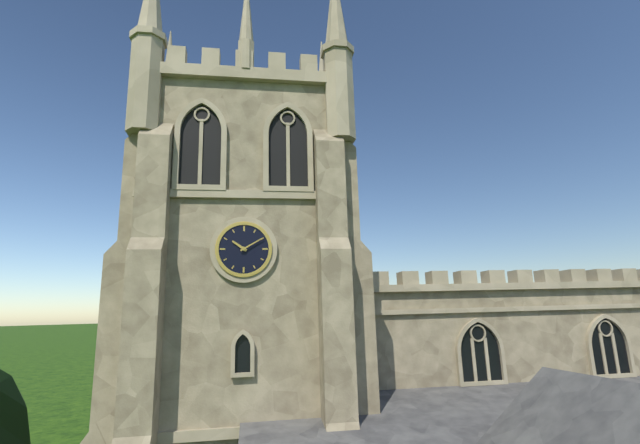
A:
10,10
